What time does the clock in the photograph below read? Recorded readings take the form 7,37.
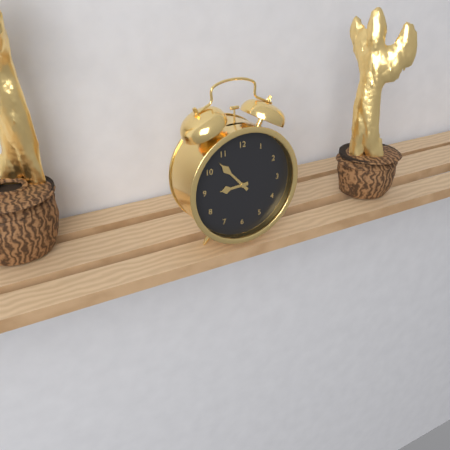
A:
8,53
